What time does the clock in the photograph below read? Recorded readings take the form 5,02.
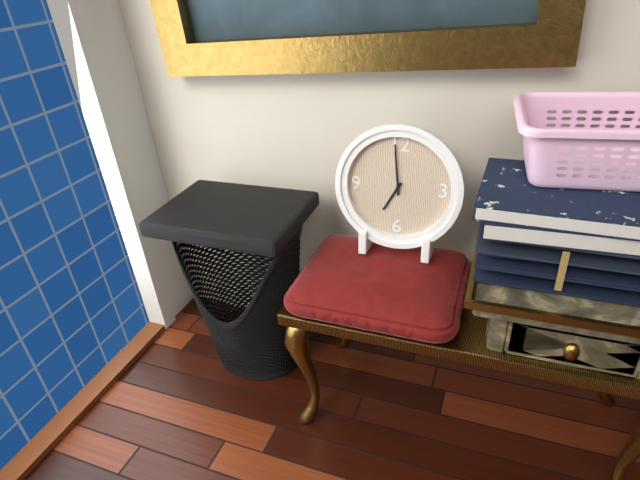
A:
6,59
